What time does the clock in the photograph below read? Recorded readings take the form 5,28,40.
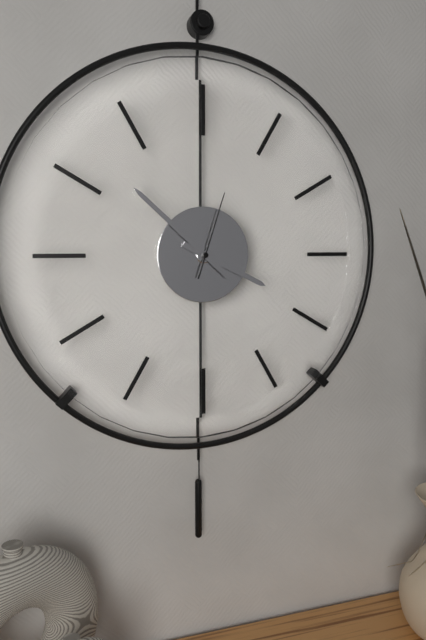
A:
3,52,03
